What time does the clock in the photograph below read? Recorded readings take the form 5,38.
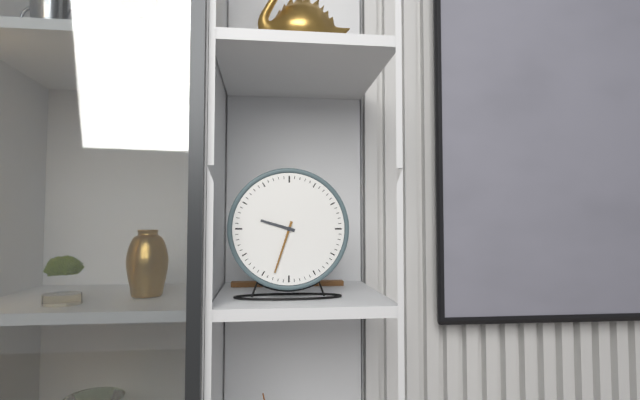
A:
9,33
